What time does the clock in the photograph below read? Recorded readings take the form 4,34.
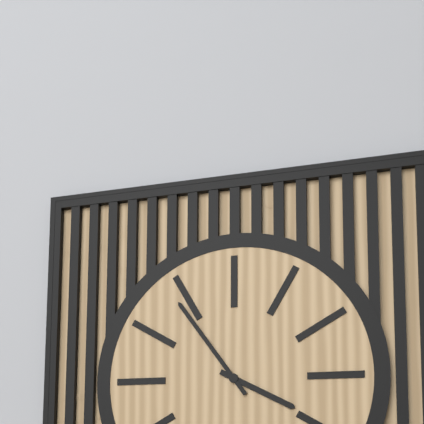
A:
3,54
